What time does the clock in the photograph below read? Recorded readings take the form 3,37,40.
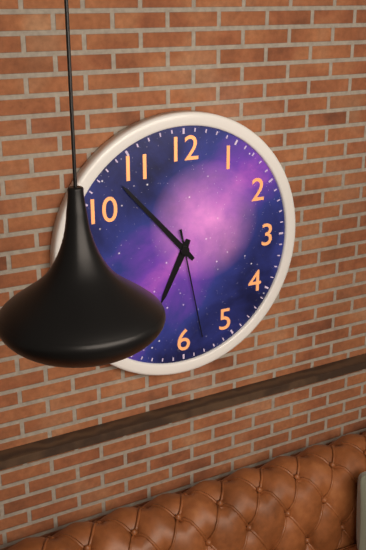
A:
6,53,28
